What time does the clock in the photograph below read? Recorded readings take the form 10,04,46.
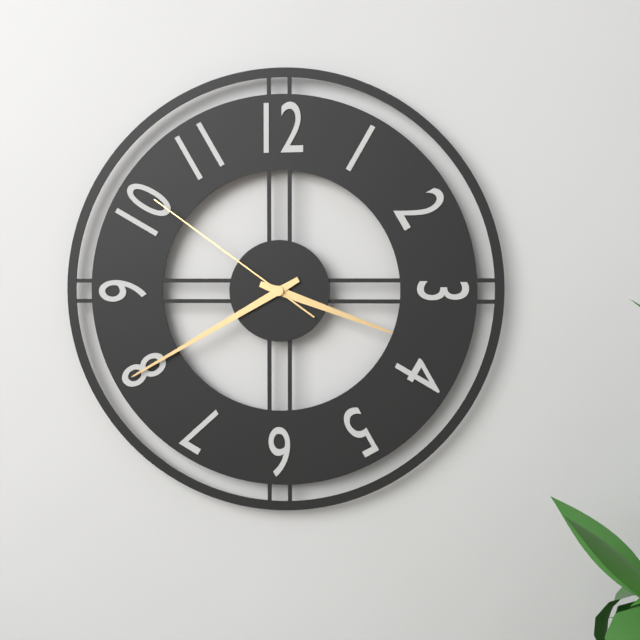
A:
3,40,51
